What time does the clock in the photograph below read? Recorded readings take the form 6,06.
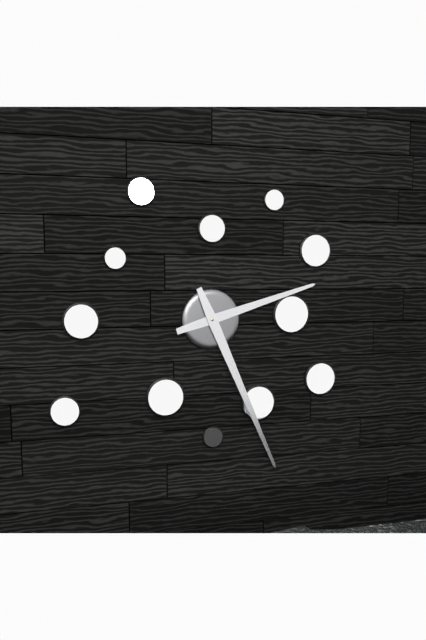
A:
2,26
